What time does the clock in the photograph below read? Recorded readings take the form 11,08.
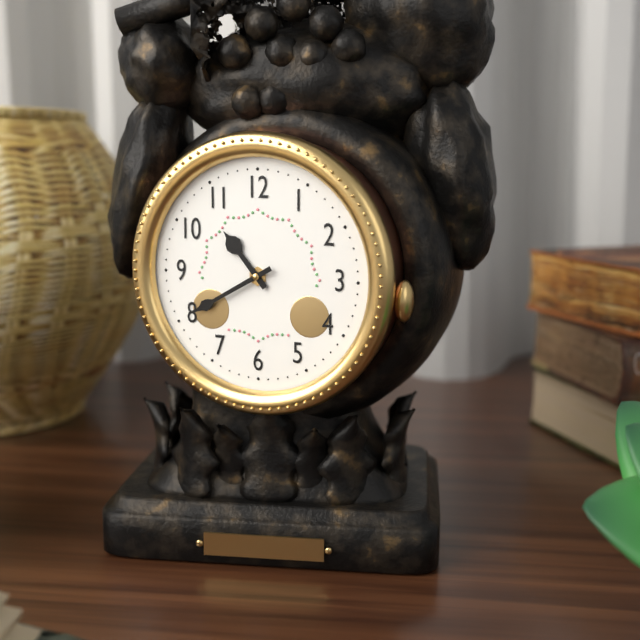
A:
10,40
